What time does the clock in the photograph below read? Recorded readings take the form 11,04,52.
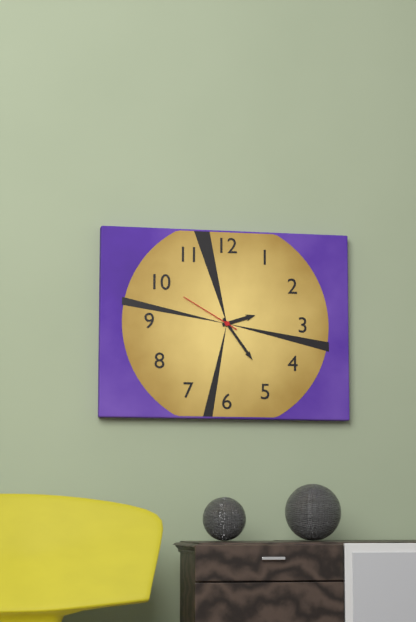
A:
2,24,50
